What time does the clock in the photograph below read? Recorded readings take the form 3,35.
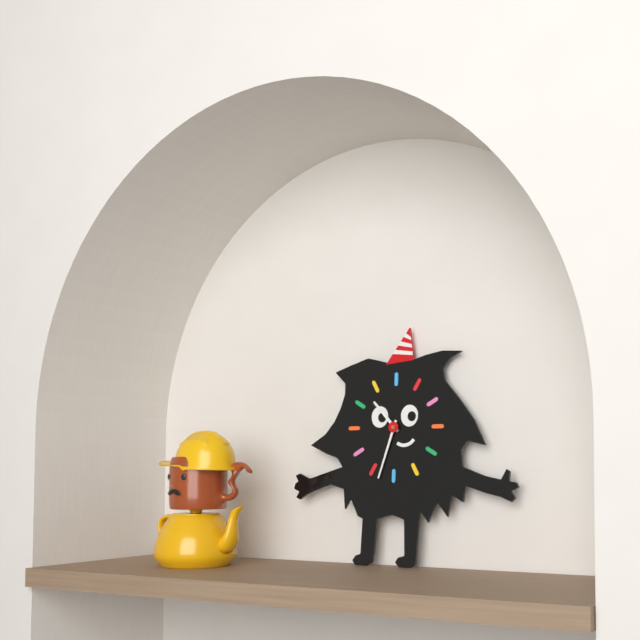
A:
10,33
